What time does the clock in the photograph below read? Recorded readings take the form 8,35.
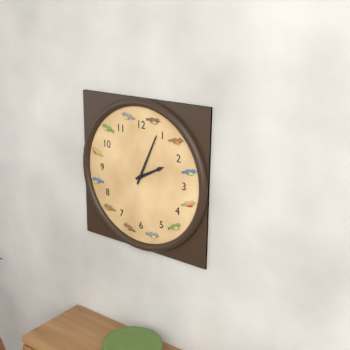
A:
2,04
